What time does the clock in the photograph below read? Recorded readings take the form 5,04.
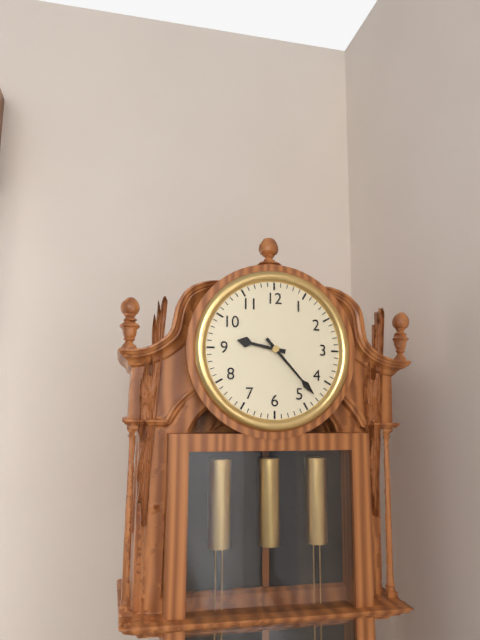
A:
9,23
